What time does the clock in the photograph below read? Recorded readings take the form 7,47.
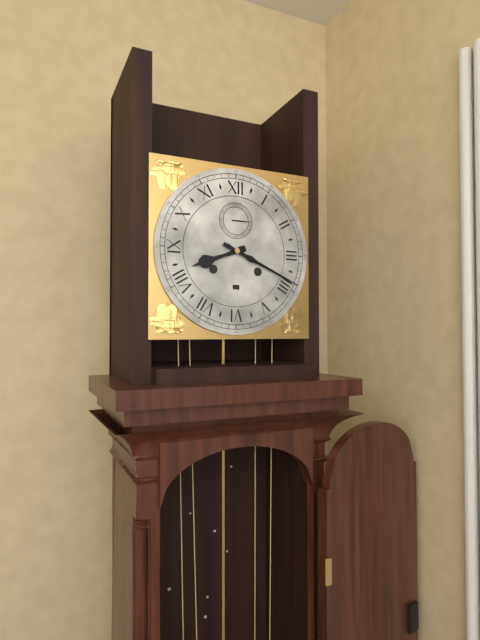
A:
8,19
